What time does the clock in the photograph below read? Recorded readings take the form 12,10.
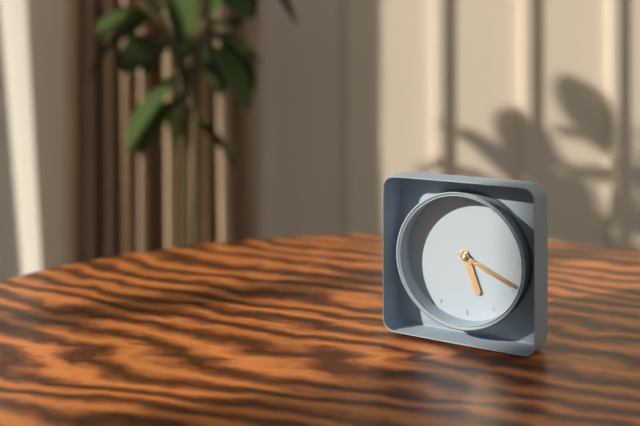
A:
5,19
